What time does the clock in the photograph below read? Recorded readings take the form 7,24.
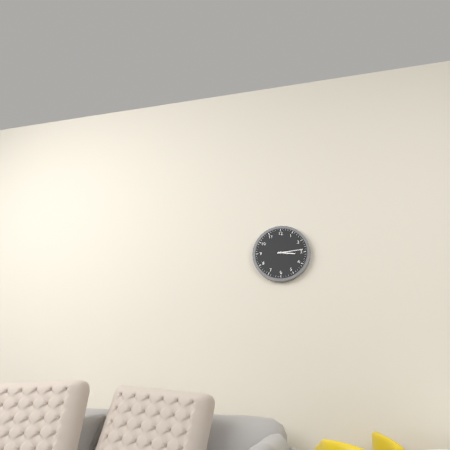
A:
3,14
